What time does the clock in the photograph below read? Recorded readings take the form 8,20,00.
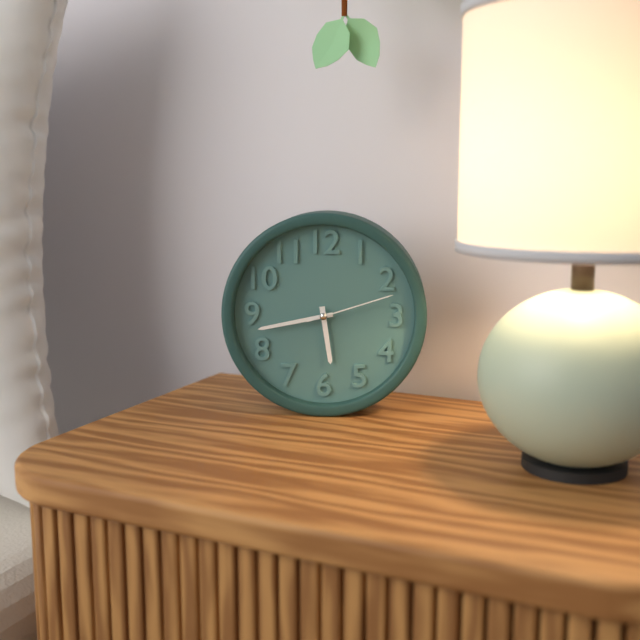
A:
5,43,12
